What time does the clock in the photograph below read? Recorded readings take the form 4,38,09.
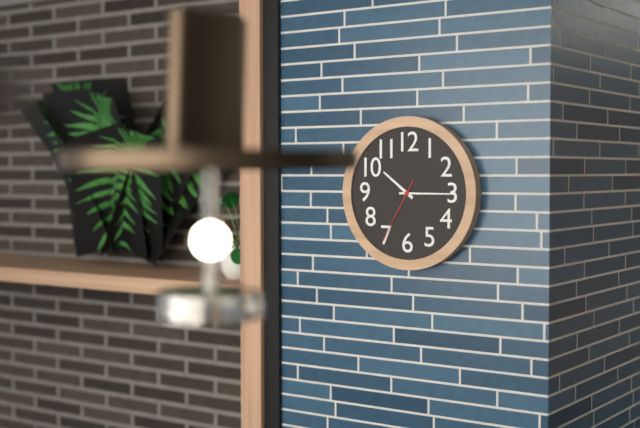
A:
10,15,35
